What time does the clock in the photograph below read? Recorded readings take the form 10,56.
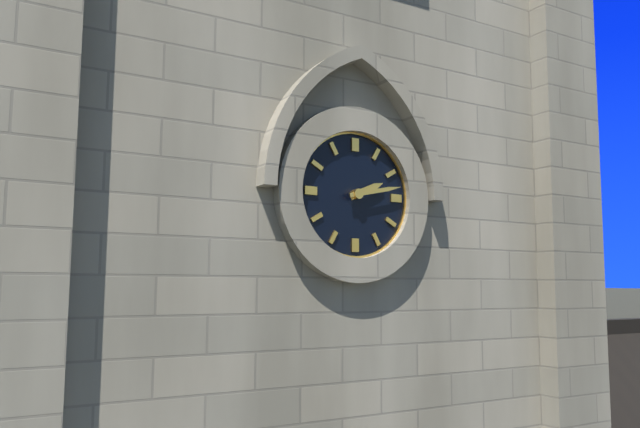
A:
2,13
